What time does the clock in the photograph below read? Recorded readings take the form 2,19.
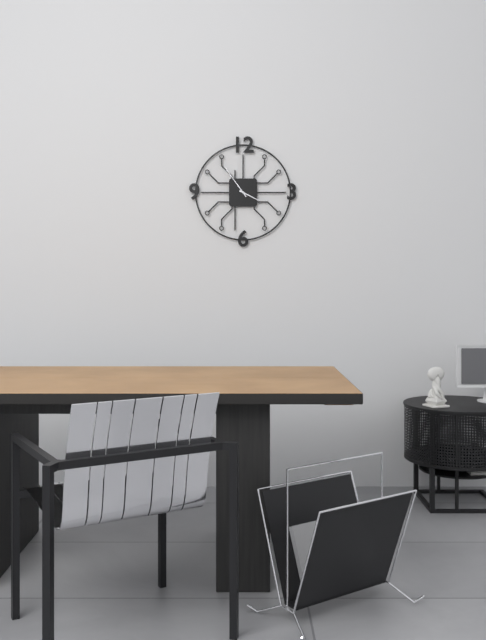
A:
3,54
